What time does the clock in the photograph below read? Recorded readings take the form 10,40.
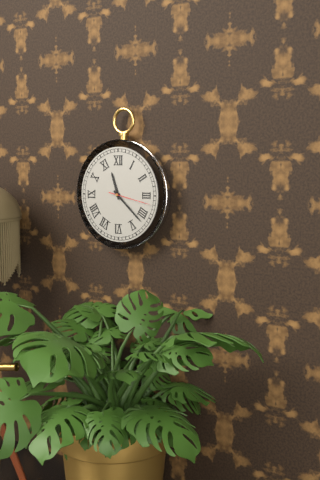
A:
11,22
